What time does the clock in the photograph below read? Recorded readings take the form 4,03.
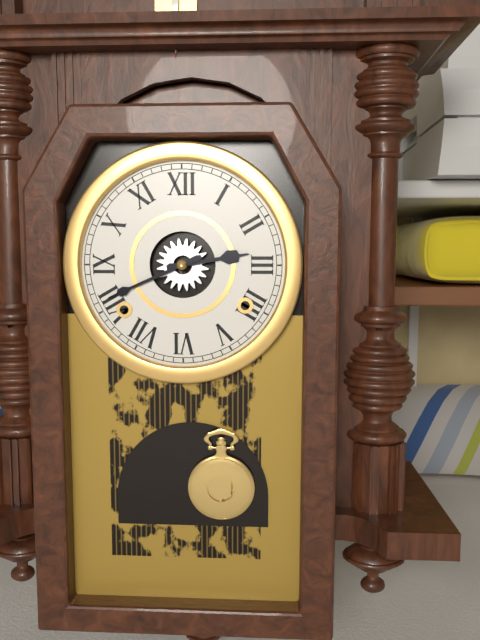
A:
2,41
